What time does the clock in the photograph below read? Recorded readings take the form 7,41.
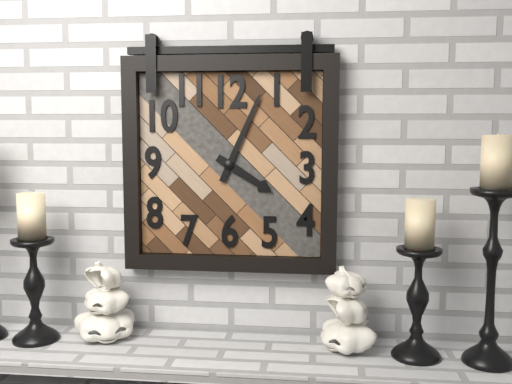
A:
4,04
